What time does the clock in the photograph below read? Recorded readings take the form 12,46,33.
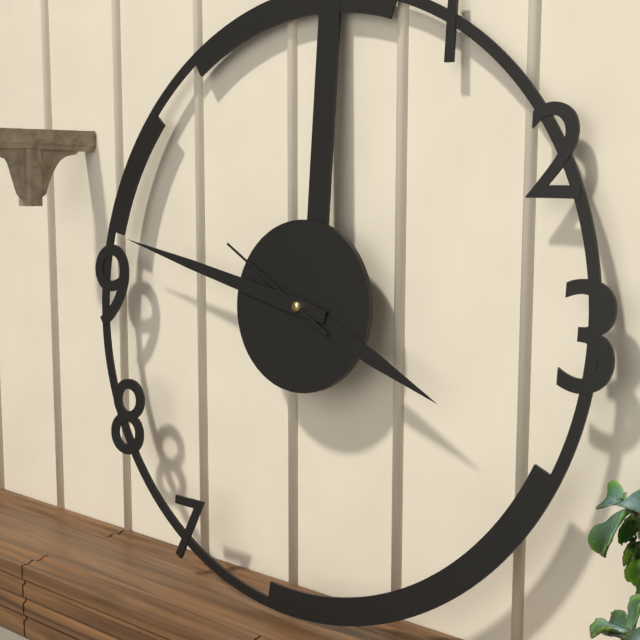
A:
3,47,50
